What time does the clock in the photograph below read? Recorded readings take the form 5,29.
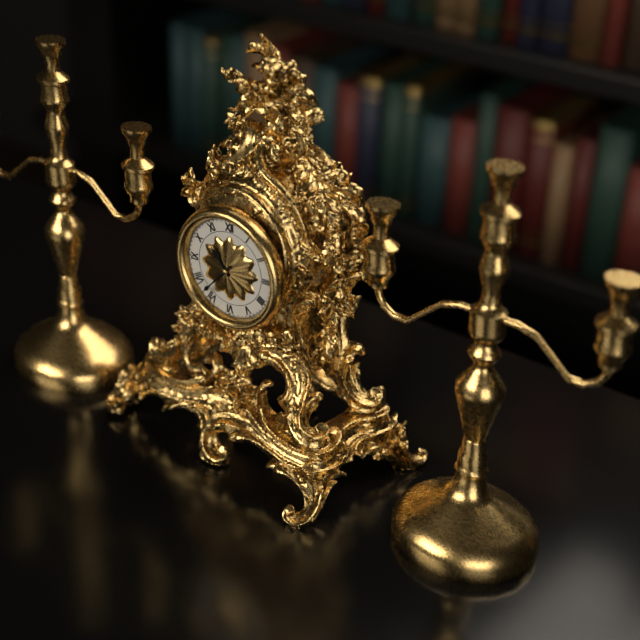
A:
10,37
